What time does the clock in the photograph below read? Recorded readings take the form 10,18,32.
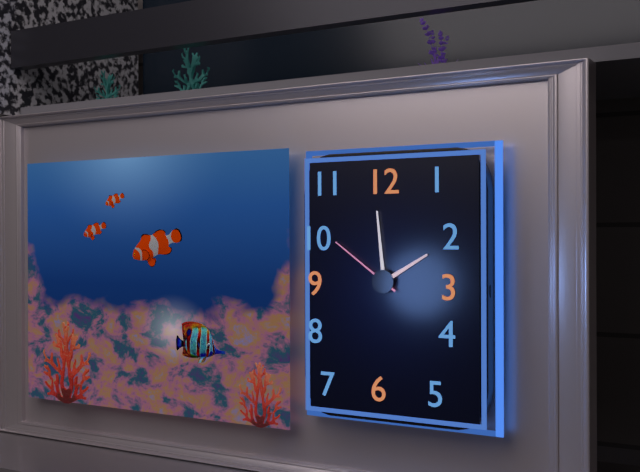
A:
1,59,51
